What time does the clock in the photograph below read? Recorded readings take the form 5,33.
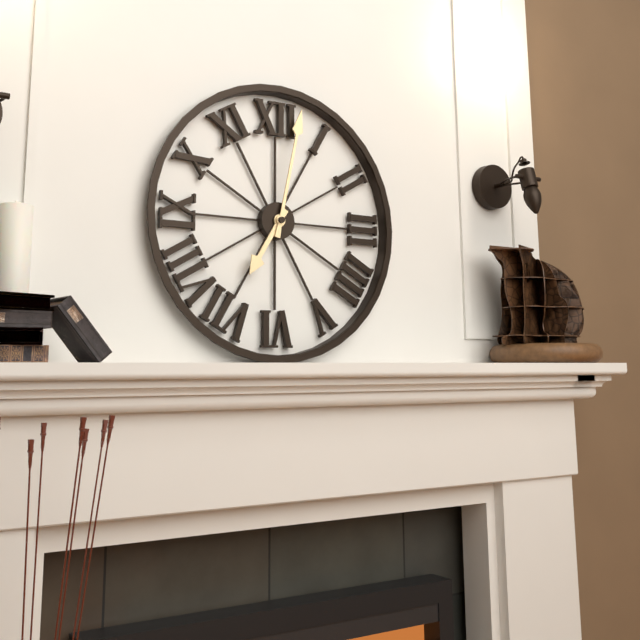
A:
7,02
